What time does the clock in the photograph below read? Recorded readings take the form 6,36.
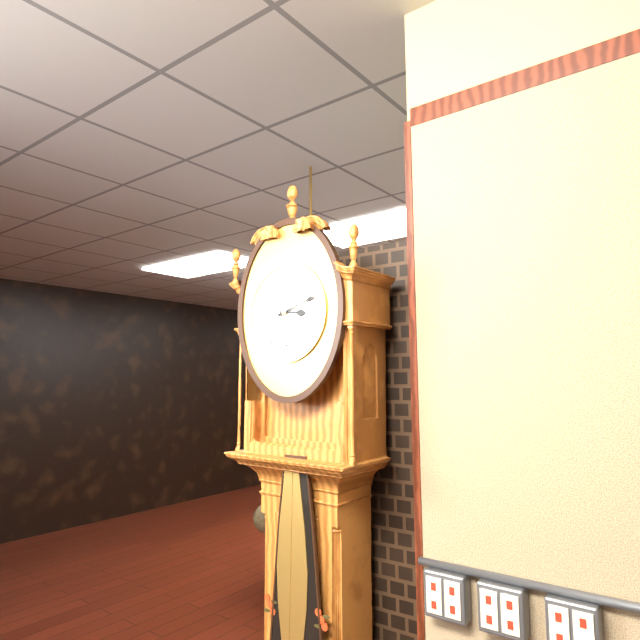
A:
3,12
